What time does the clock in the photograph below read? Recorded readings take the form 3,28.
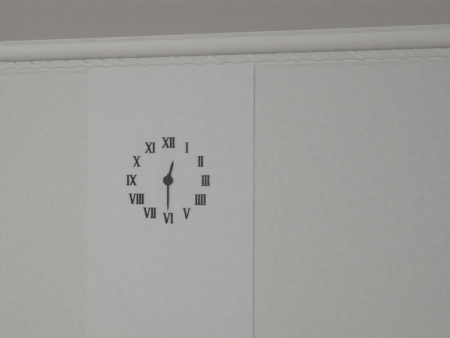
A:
12,30
